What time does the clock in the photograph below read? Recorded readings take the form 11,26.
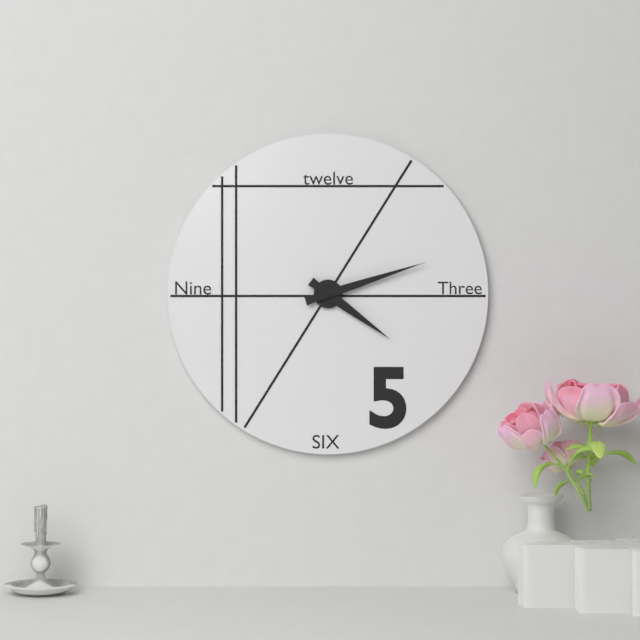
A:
4,12
